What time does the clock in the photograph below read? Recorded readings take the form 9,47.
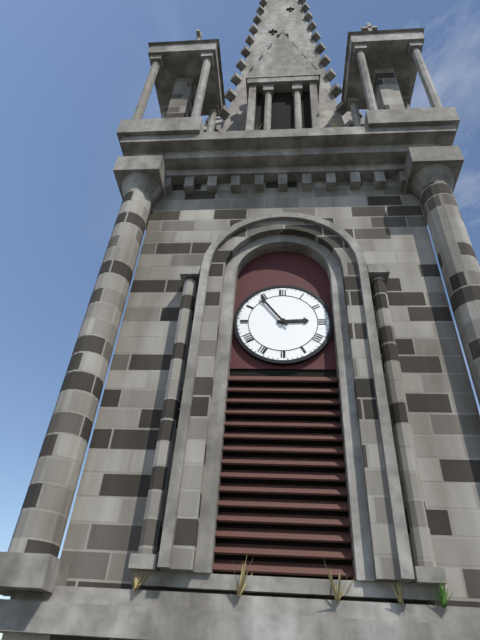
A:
2,54
